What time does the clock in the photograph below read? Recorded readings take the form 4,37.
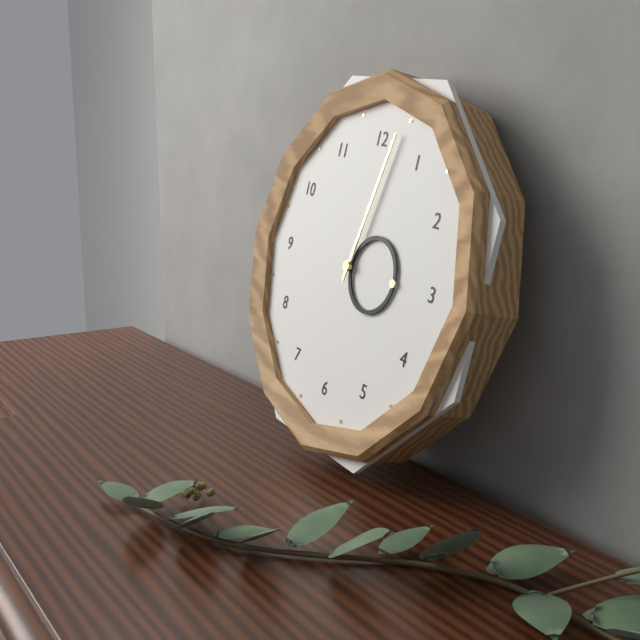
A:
3,02
